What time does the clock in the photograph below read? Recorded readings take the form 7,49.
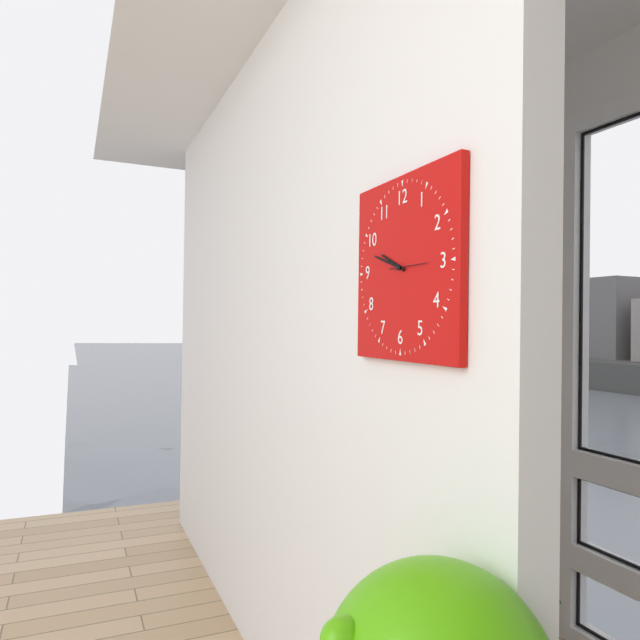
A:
9,48
